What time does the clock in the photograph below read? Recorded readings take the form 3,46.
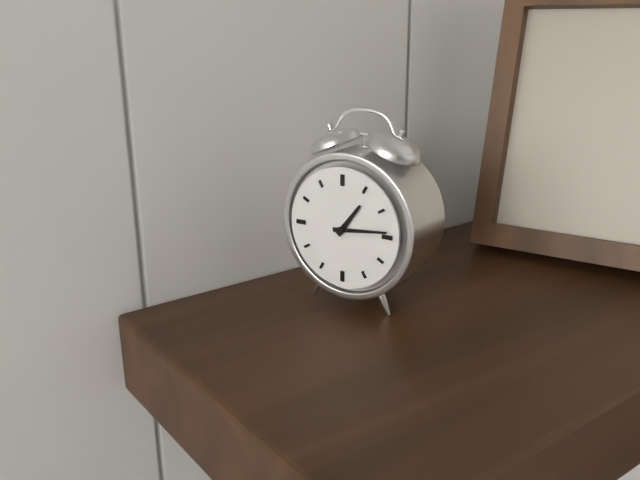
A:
1,14
